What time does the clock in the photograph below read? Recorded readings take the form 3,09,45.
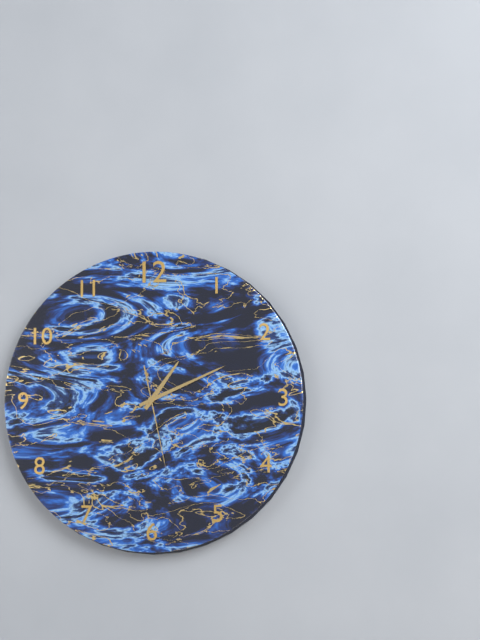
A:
1,11,28
